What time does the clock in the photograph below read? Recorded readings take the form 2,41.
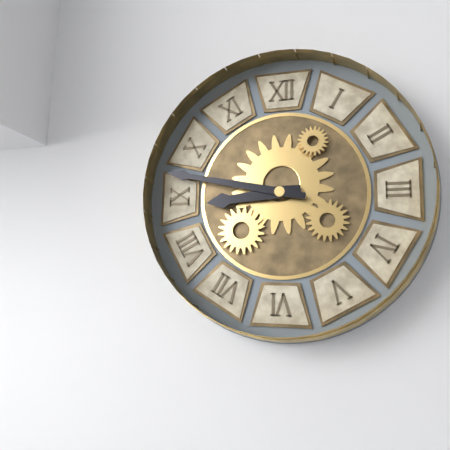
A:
8,47
